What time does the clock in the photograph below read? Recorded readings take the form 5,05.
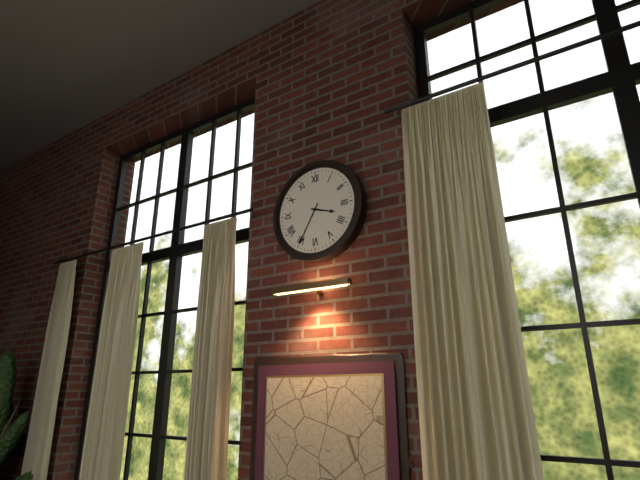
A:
3,35
